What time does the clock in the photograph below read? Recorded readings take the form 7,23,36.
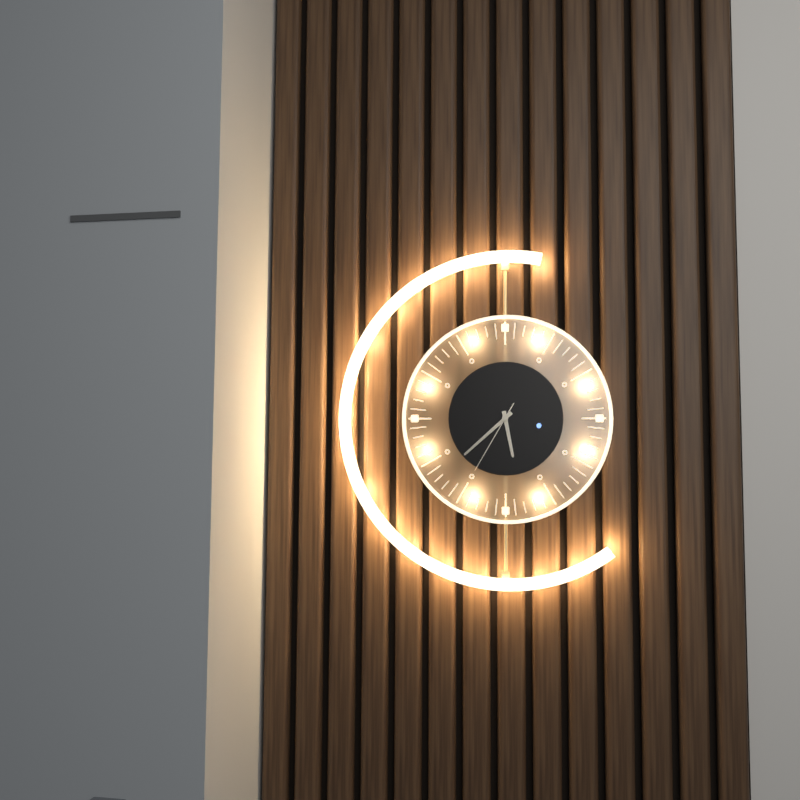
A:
5,38,35
